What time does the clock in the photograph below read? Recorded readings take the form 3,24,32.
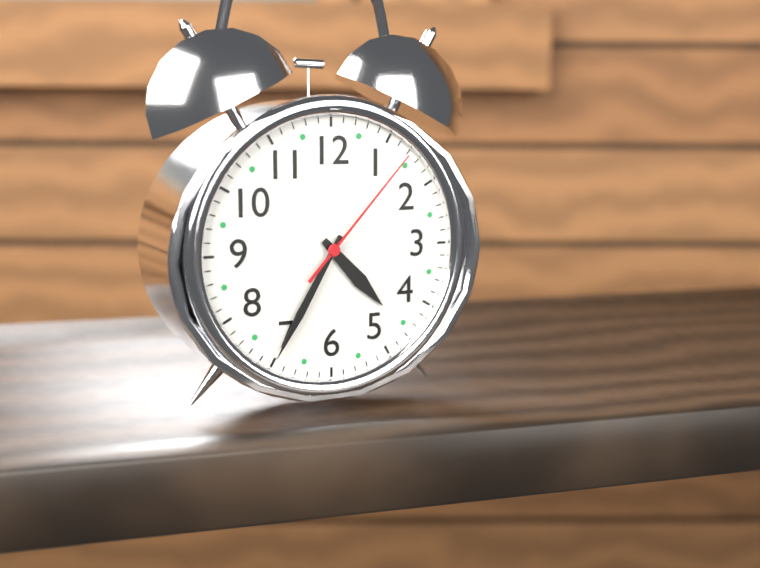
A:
4,35,07
